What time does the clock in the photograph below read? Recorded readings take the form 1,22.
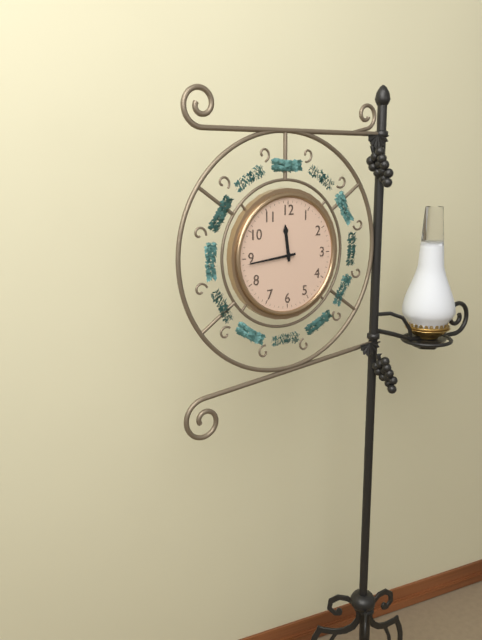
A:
11,44
